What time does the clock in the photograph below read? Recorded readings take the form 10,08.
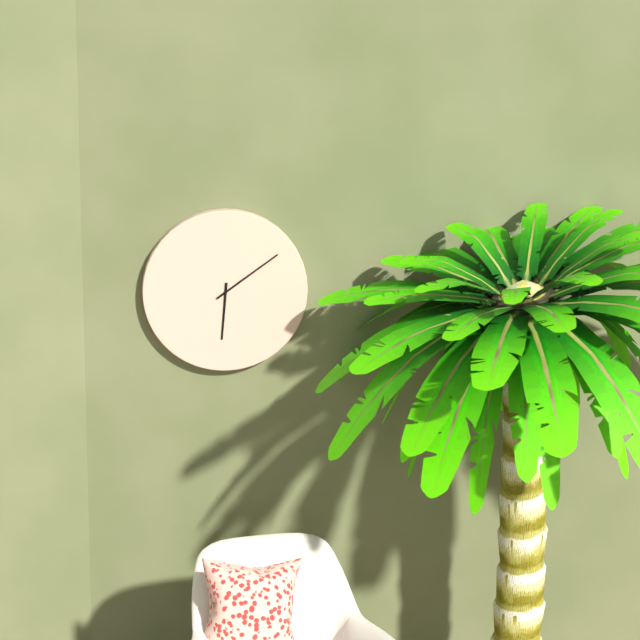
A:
6,09
